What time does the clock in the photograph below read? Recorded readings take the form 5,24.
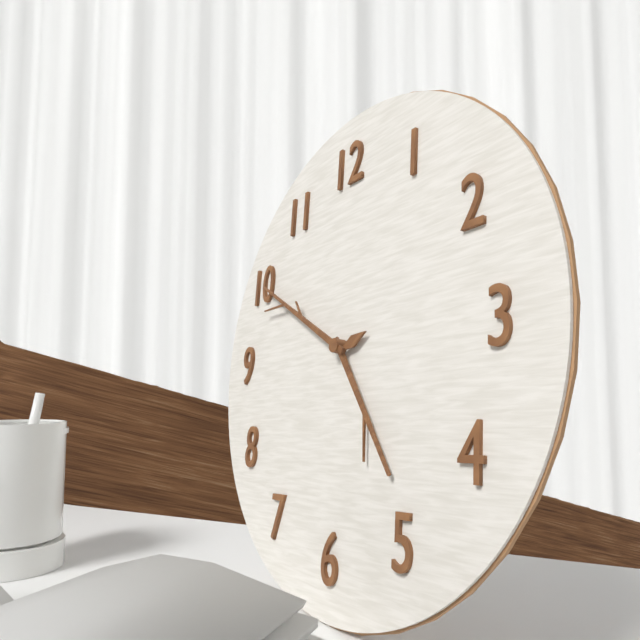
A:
4,50
